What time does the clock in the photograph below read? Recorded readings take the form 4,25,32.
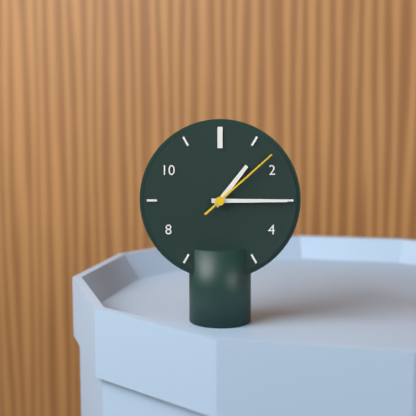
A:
1,15,08
